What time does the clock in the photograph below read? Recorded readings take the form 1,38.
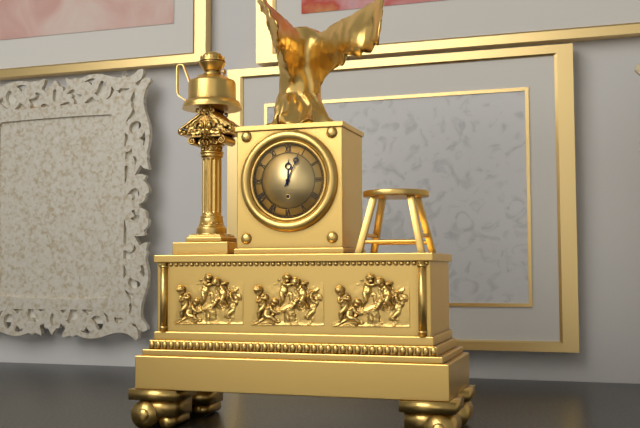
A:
12,04
